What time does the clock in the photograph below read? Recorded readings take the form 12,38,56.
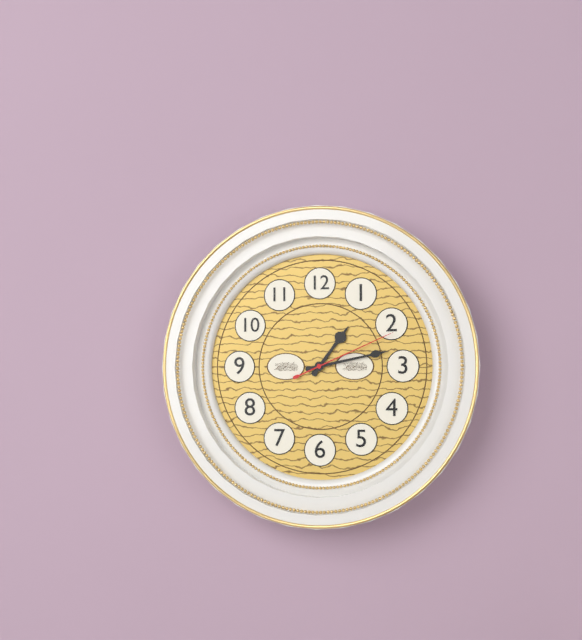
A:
1,13,11
